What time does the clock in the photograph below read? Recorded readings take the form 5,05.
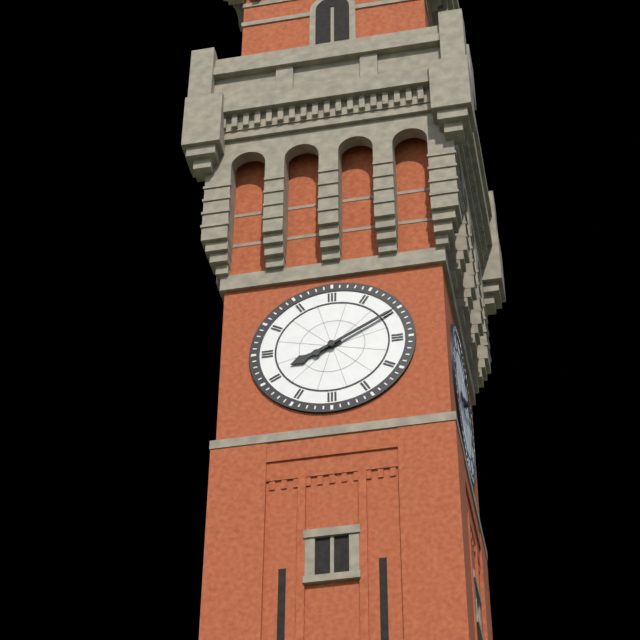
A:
8,10
